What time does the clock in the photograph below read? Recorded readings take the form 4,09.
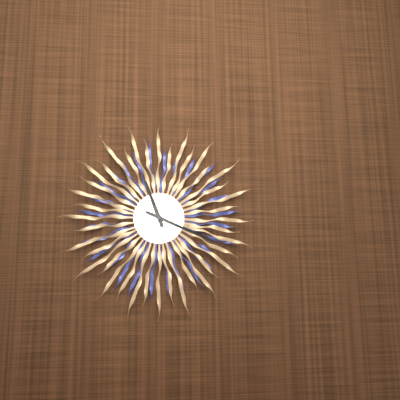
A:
11,19
